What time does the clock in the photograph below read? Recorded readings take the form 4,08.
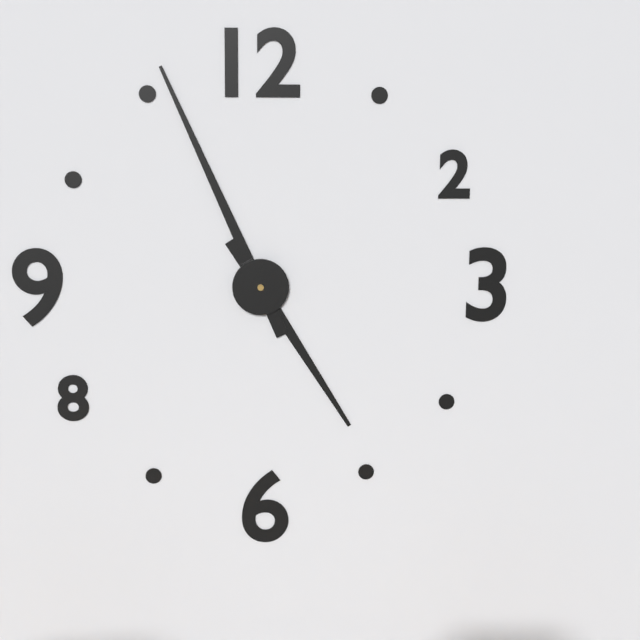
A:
4,56
